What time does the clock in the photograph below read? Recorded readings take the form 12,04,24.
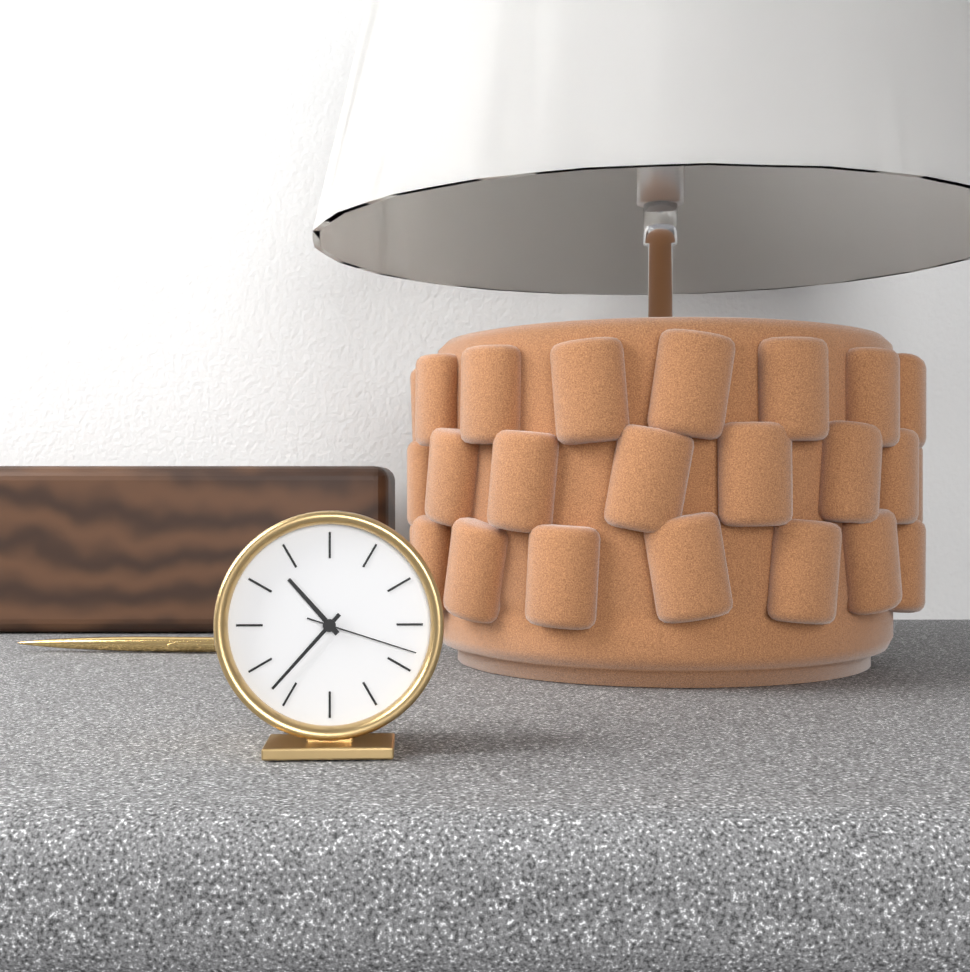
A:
10,37,18
